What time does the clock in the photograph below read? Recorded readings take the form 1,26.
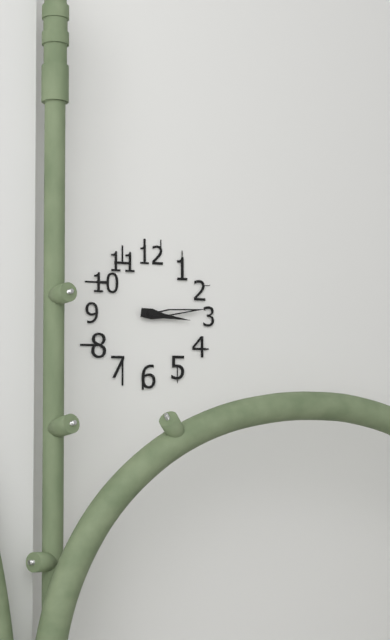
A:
3,14
